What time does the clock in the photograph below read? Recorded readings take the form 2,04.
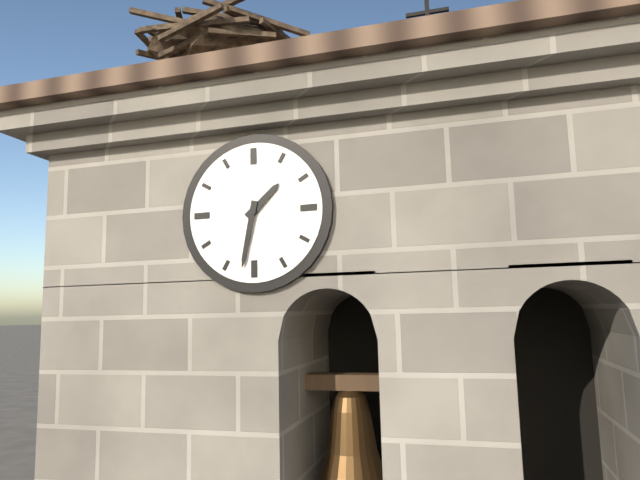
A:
1,32
